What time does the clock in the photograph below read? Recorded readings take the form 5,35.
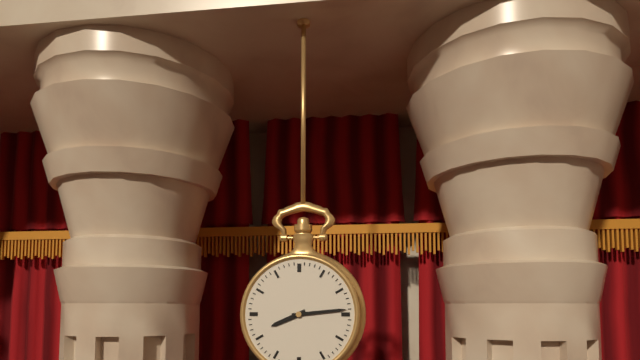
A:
8,14
